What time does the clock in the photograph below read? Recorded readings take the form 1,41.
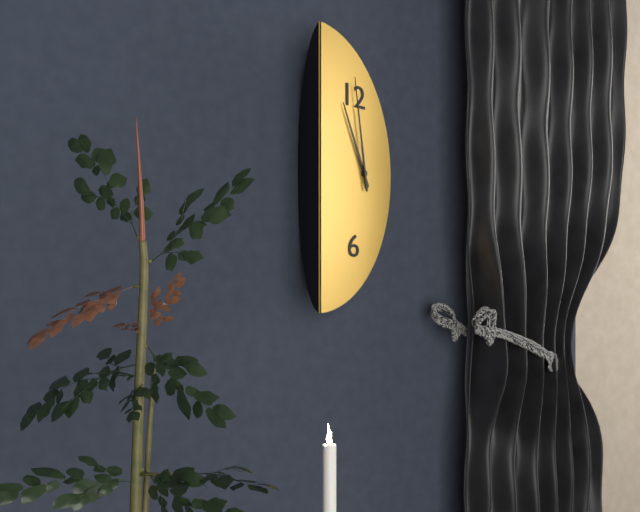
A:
10,58
